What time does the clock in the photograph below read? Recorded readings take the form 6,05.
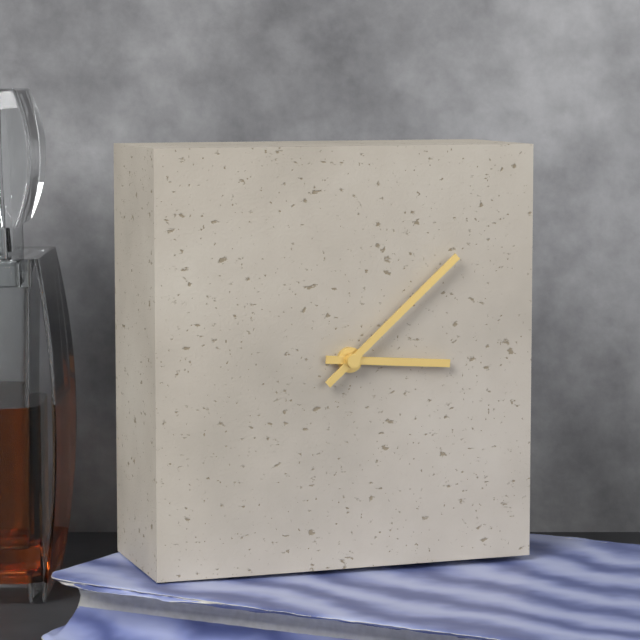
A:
3,08
